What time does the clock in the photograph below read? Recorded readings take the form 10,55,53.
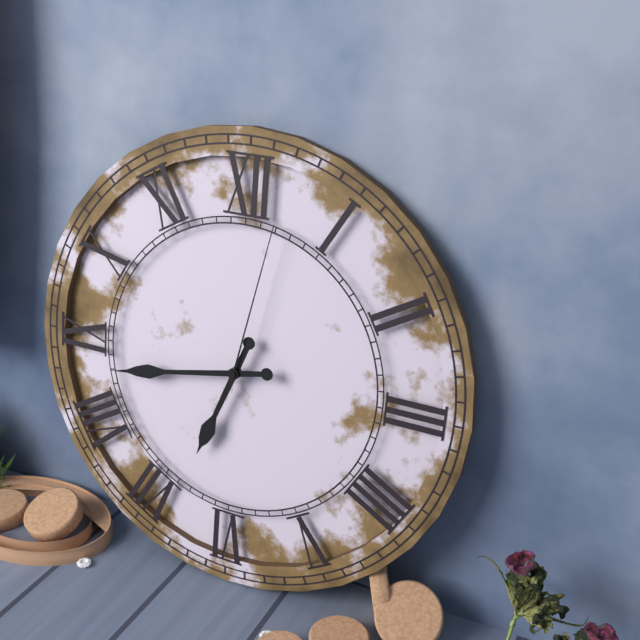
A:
6,43,02
